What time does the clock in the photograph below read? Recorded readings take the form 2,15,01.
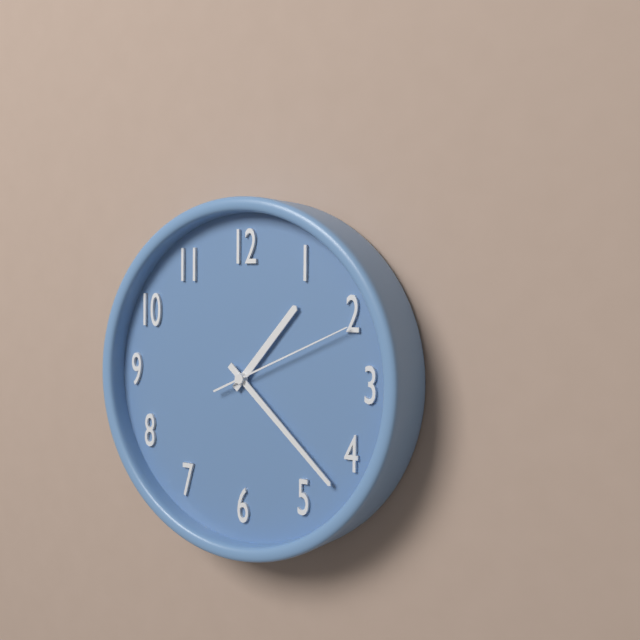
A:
1,22,11
